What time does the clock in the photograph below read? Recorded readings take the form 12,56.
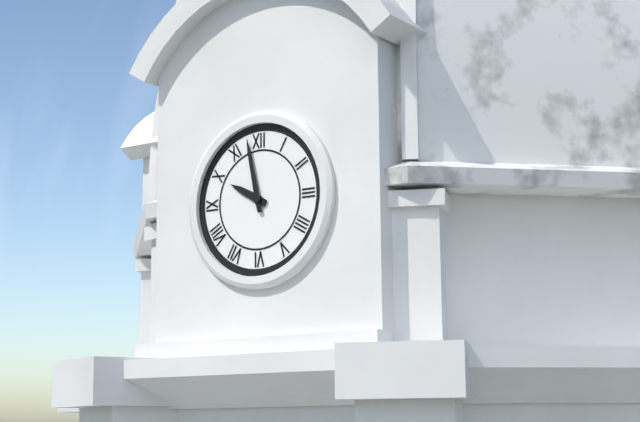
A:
9,58
